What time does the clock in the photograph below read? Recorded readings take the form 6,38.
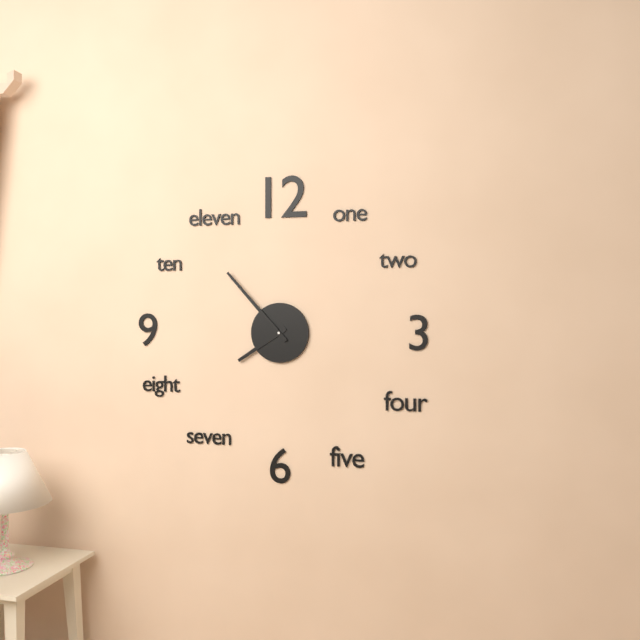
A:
7,53
